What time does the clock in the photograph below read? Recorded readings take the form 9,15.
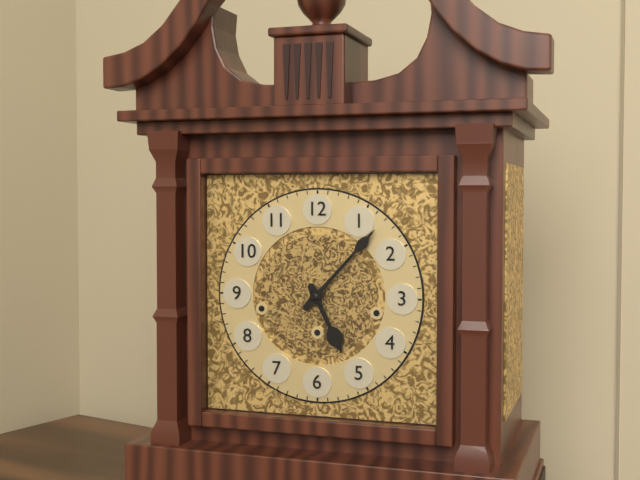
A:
5,07
